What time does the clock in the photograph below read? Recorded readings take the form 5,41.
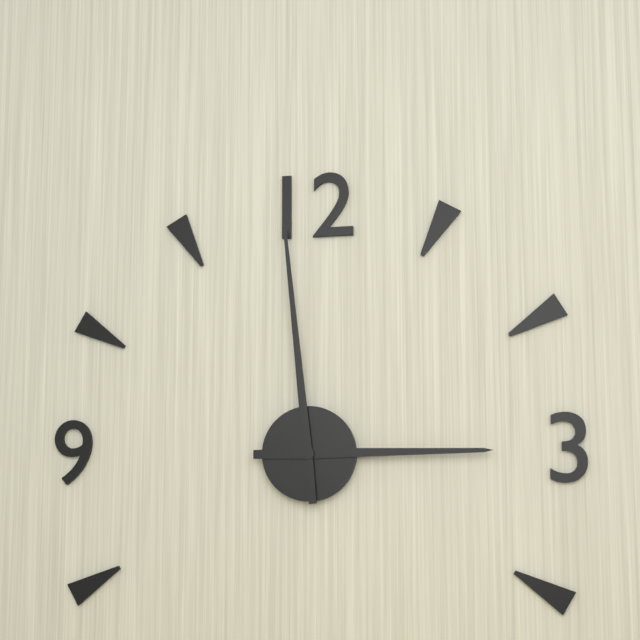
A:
2,59
